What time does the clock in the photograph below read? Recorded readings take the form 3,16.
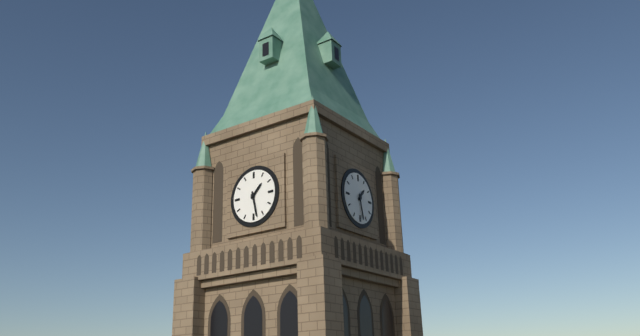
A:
1,28
